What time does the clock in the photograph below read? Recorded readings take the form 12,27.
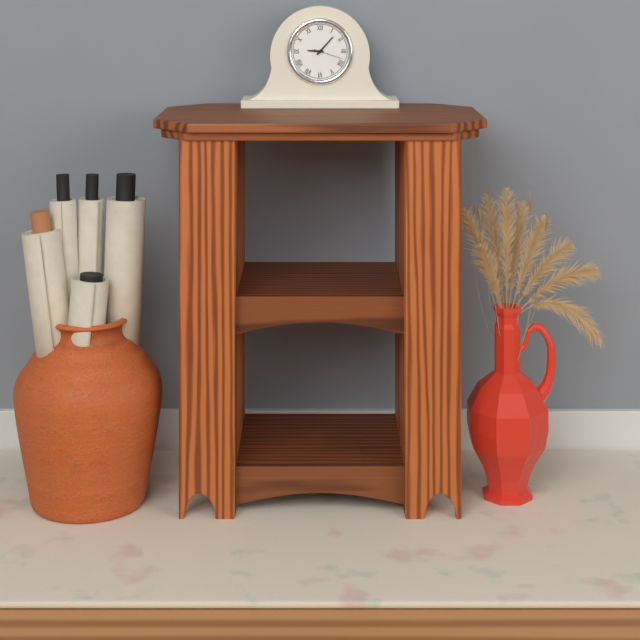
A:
9,07
